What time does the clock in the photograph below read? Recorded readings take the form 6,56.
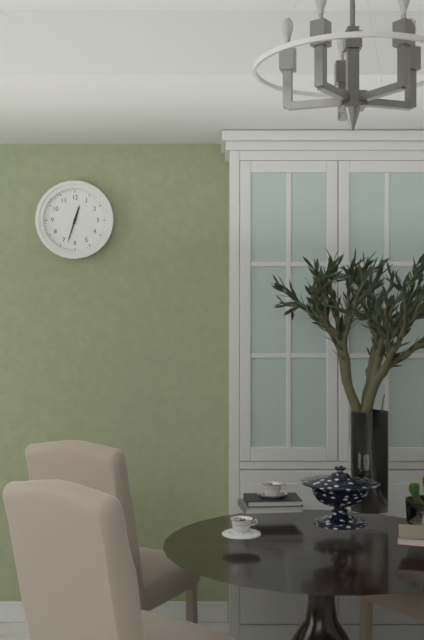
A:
12,33
